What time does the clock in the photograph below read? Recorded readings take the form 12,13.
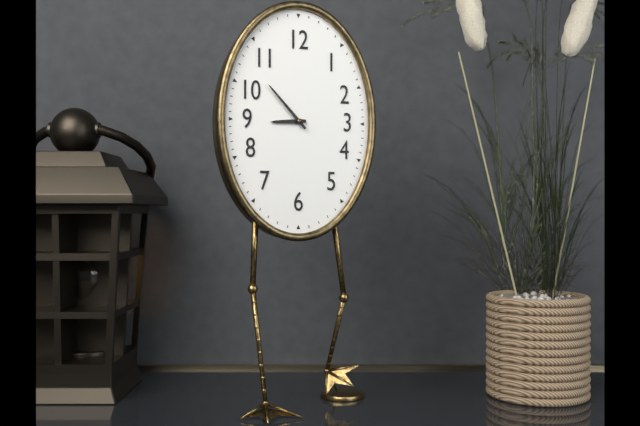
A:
8,53
